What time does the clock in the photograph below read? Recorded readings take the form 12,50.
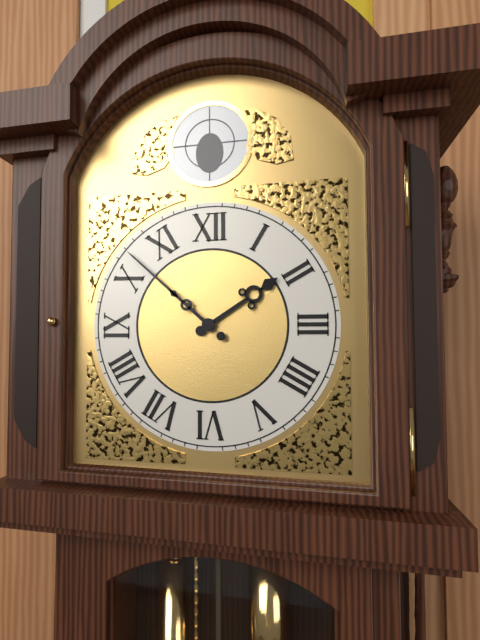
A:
1,52
